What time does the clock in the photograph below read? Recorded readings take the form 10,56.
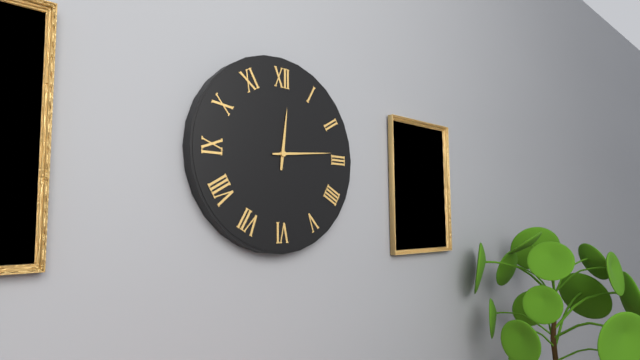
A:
12,14
